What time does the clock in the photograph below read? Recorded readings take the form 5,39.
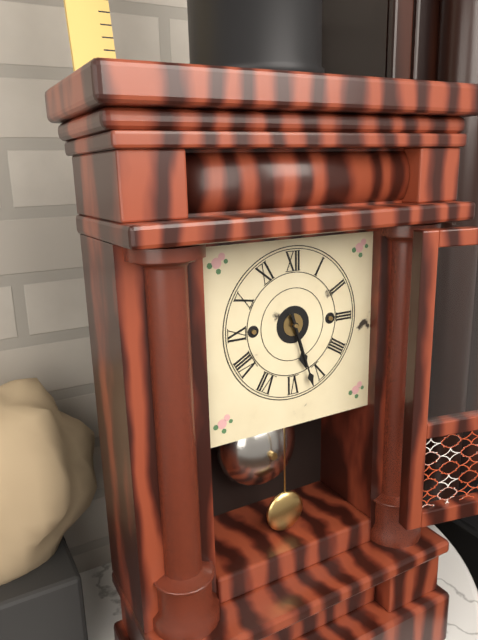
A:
5,27
